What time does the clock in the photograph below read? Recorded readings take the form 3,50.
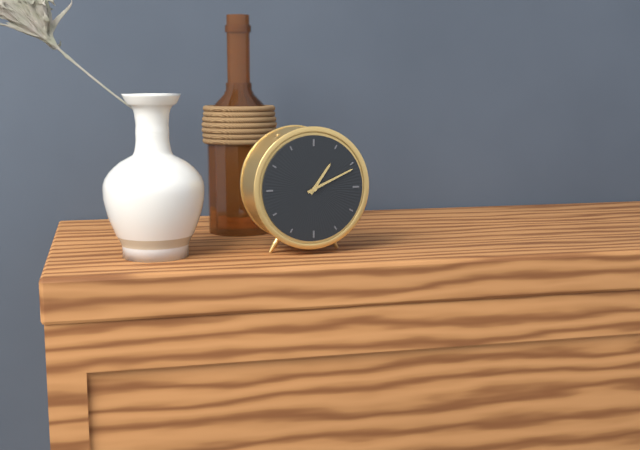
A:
1,11
